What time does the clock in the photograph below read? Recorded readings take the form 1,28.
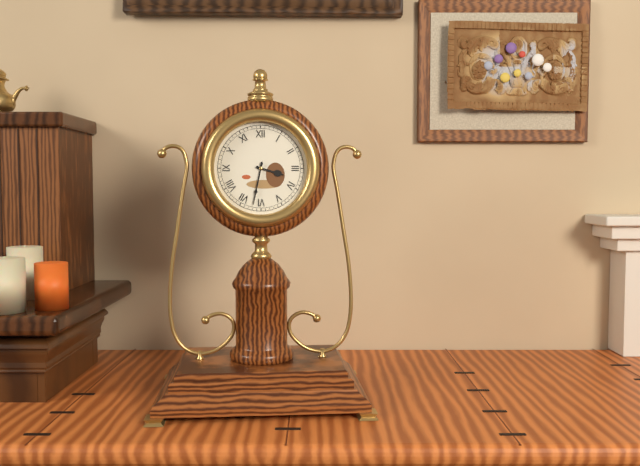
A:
3,32
